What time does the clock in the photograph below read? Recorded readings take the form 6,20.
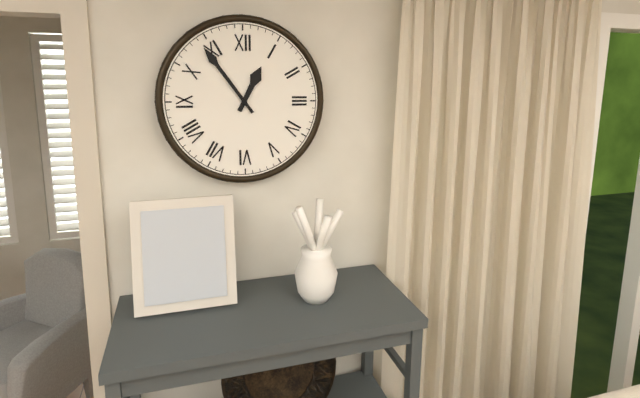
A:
12,54
